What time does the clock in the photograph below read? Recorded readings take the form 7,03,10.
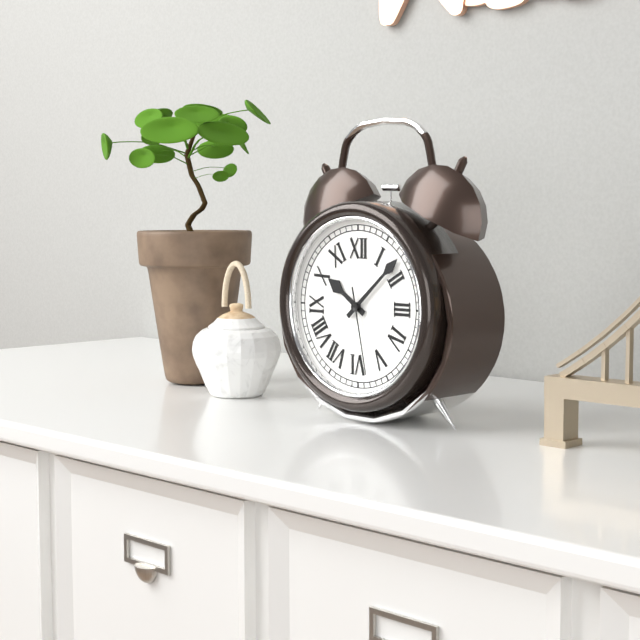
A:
10,08,28
